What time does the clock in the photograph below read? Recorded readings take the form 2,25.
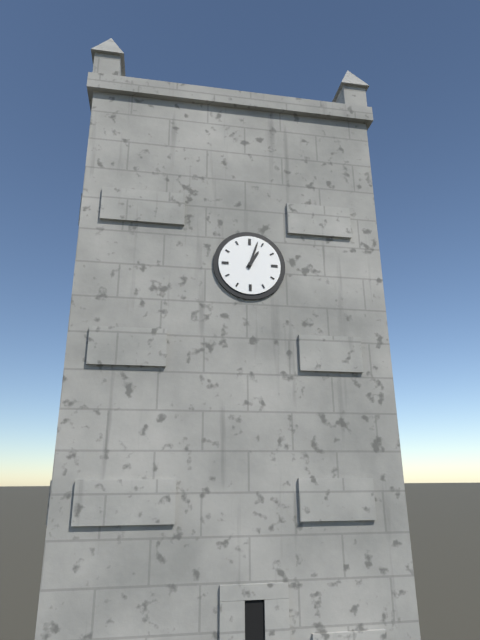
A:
1,03
